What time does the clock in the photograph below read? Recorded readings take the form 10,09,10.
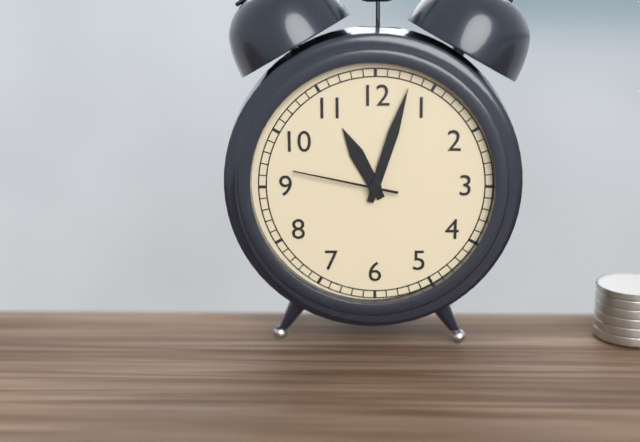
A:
11,03,47
